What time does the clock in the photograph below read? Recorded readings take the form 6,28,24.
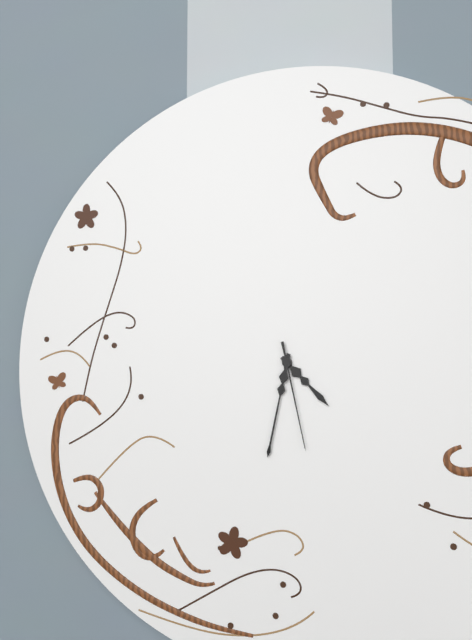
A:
4,32,28
